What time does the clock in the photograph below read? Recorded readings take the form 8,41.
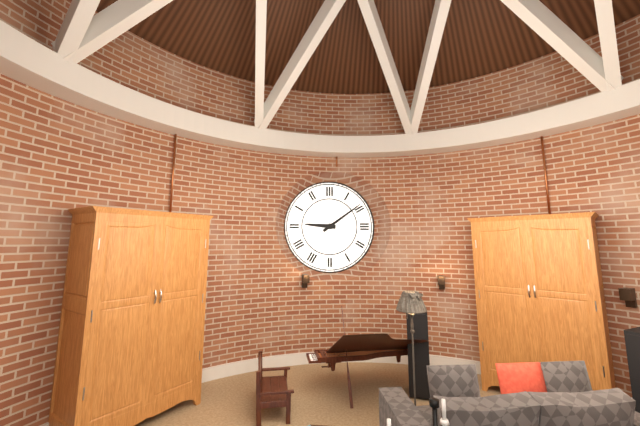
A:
9,09
